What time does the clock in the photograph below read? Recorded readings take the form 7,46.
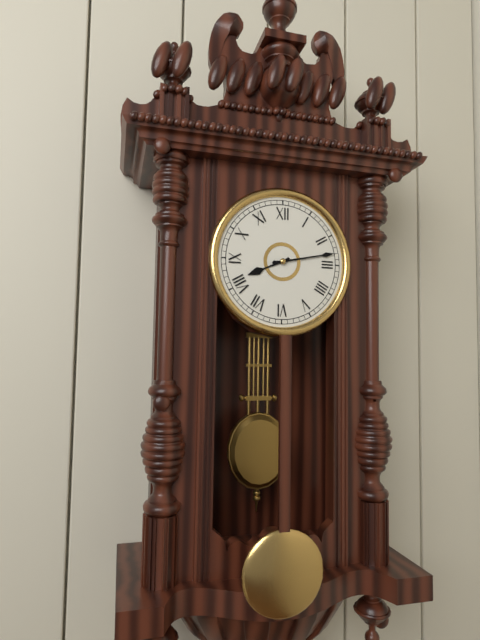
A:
8,13
